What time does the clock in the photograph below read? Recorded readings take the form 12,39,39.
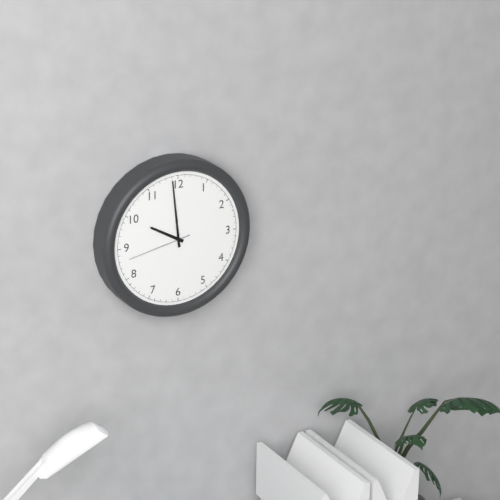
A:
9,59,43
